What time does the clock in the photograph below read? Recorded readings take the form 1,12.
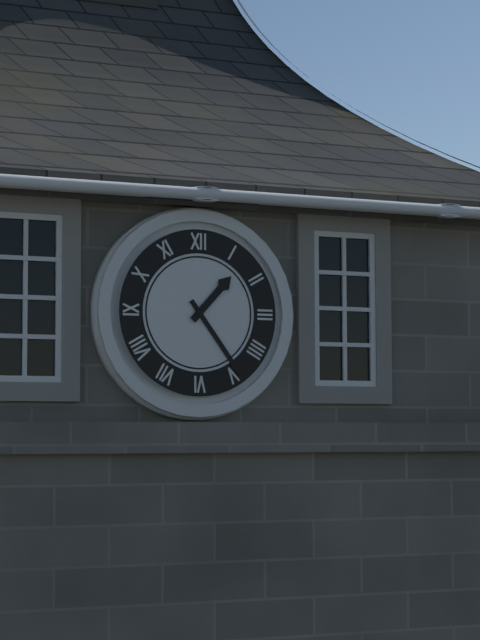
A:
1,24
